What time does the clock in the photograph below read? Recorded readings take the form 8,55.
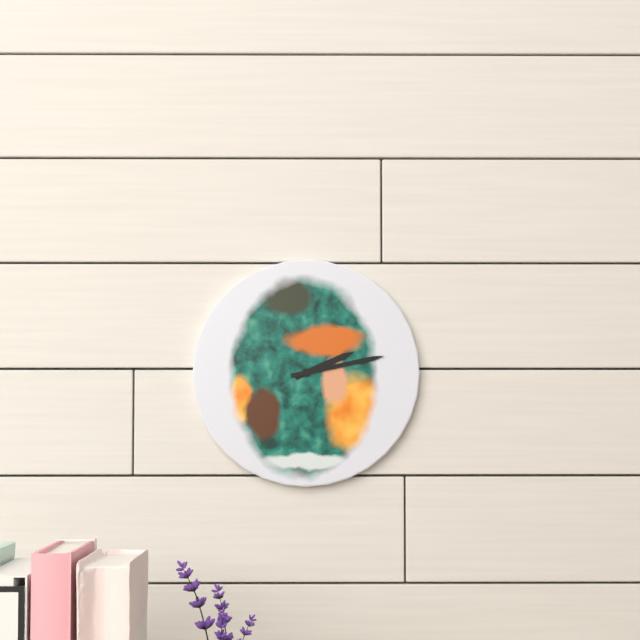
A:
2,13
